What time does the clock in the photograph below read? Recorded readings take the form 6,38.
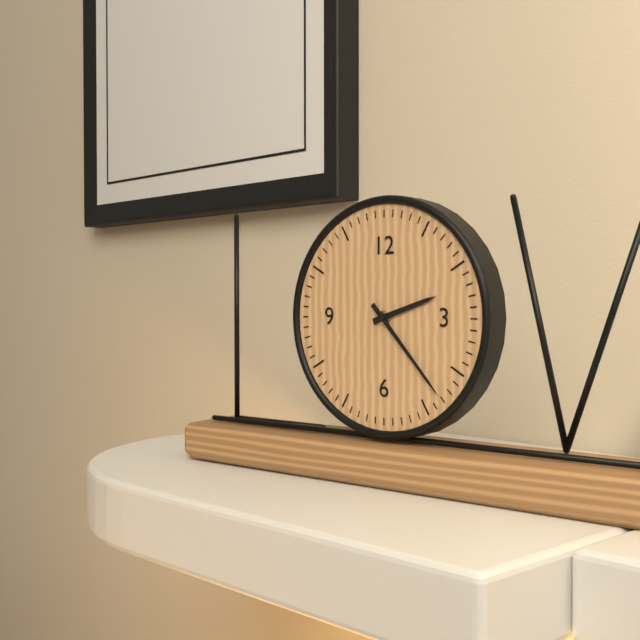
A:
2,23
